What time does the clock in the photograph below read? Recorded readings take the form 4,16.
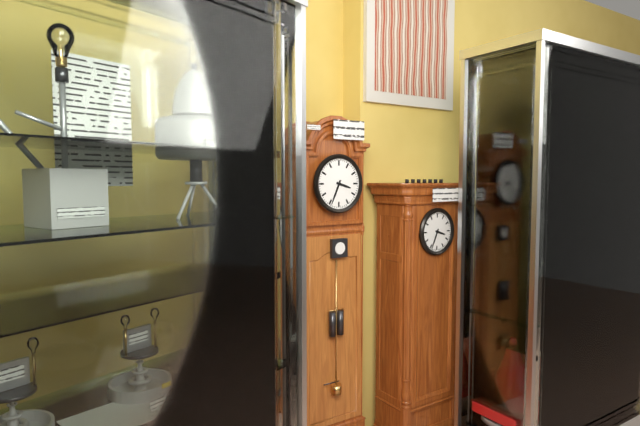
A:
3,34
